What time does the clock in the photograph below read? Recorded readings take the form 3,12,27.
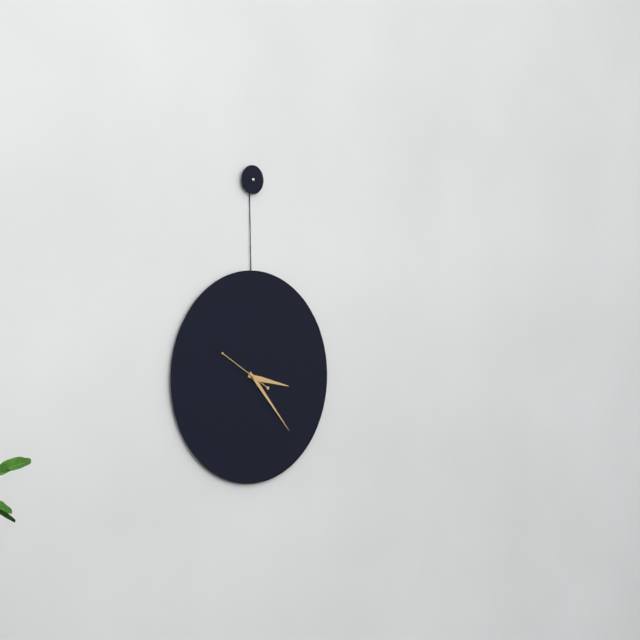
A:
3,23,50
